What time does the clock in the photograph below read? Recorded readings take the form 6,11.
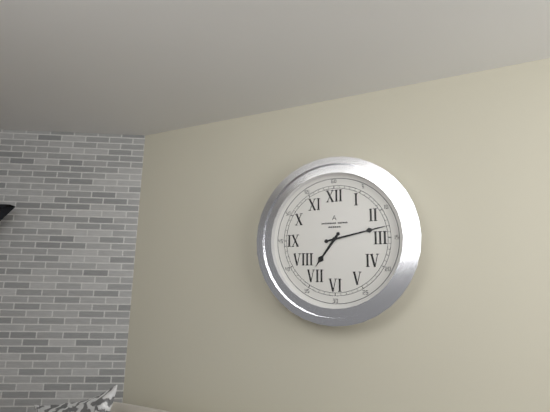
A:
7,13
